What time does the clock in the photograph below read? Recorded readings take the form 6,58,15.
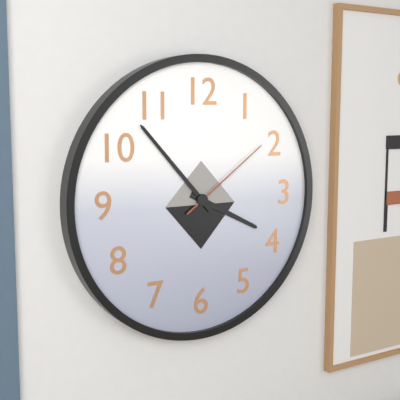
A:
3,53,09
